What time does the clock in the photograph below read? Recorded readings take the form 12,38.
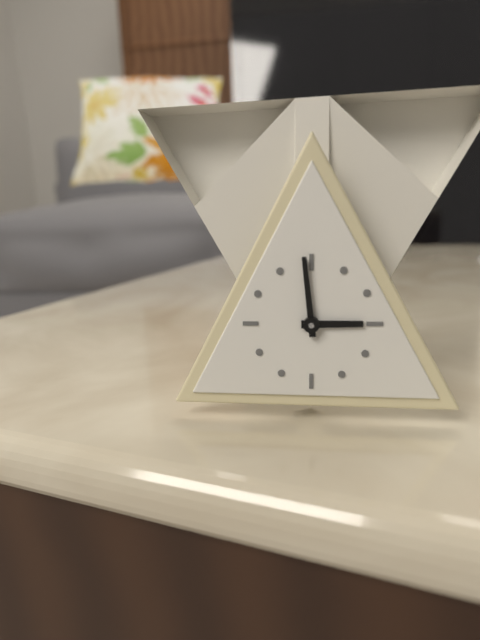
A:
2,59
